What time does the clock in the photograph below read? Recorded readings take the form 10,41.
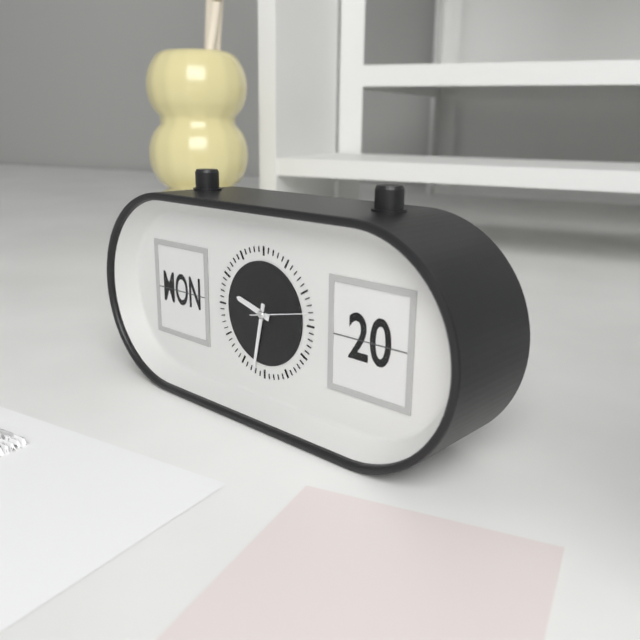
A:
9,32
